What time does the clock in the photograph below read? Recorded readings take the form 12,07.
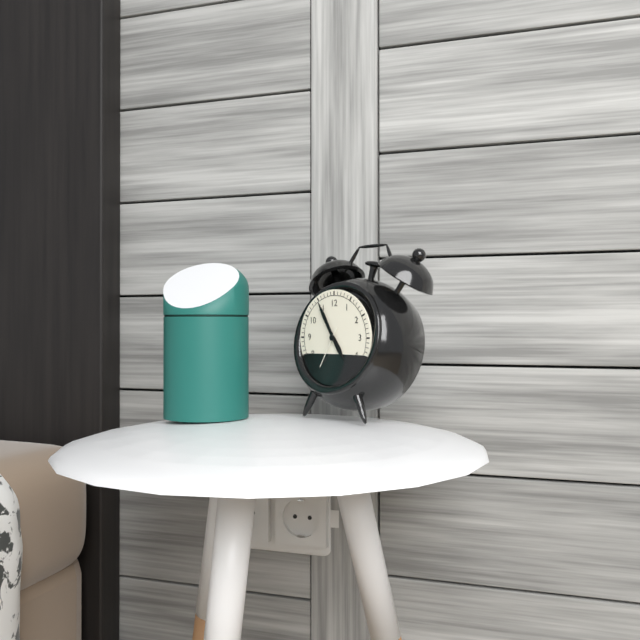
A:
4,55
